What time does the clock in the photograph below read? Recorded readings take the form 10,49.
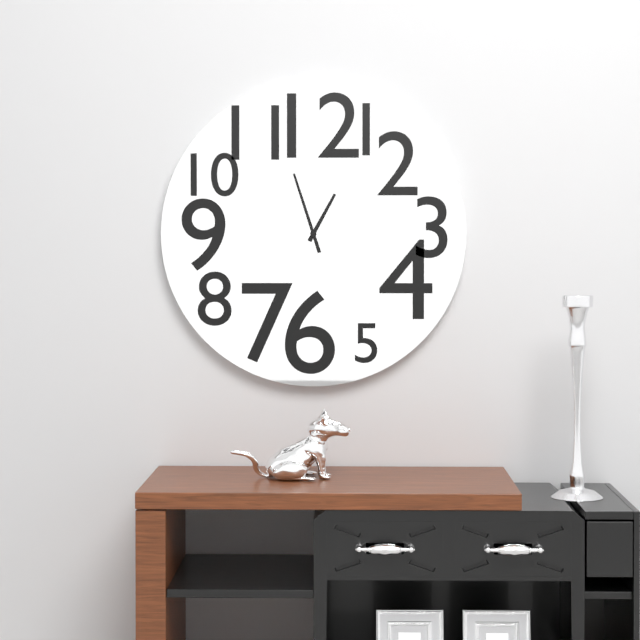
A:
12,57
